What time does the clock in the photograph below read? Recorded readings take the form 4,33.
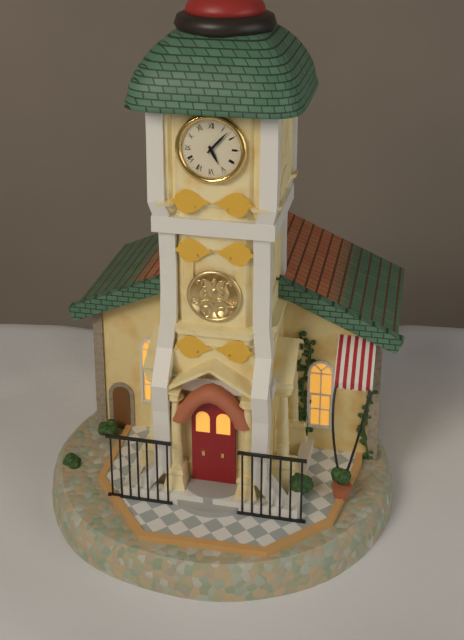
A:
5,07
